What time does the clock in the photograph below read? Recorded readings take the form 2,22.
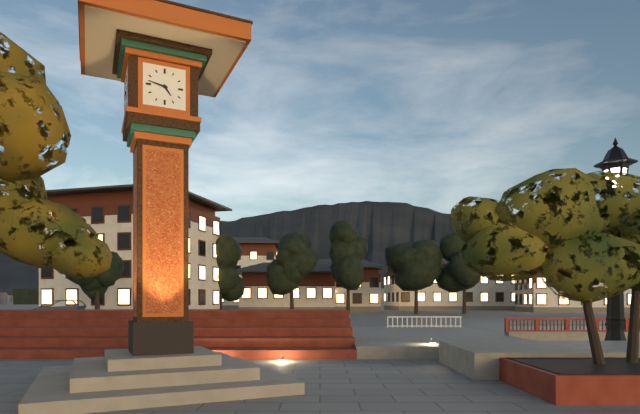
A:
4,47
